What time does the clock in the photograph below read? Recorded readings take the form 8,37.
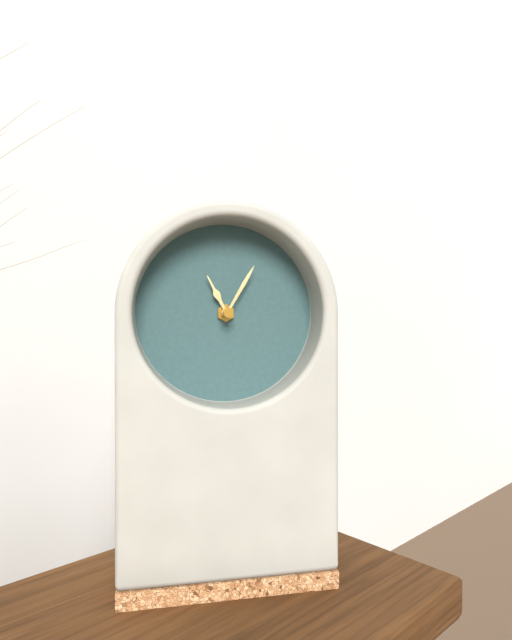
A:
11,05
